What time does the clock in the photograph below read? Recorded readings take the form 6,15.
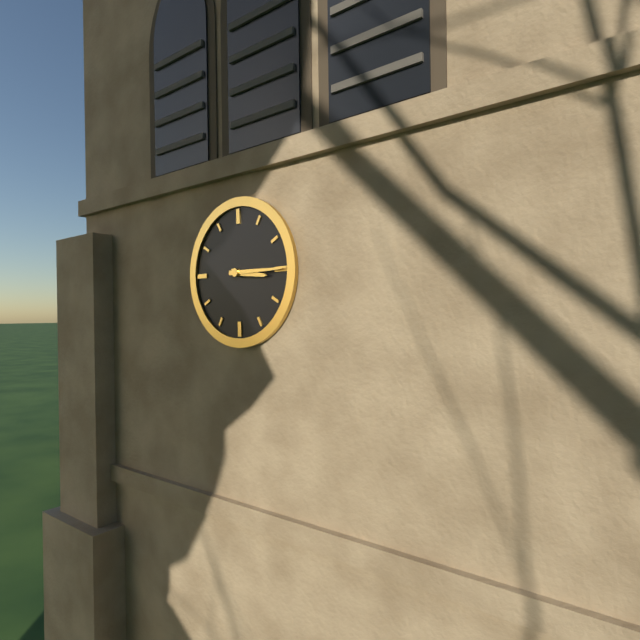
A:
3,15
